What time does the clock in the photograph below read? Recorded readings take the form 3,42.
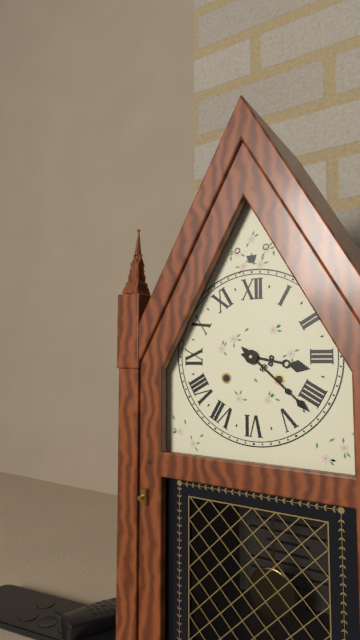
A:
3,22
